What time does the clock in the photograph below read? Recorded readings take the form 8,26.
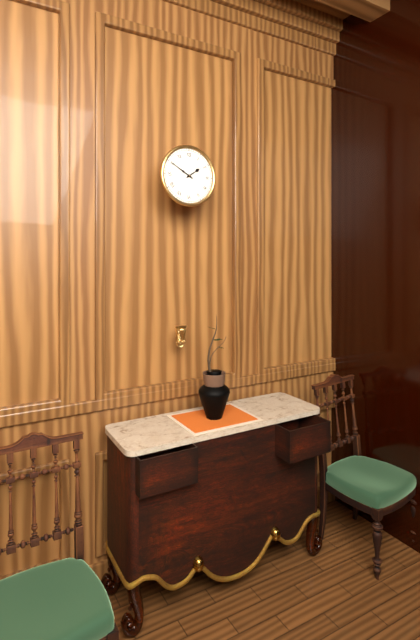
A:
1,50
